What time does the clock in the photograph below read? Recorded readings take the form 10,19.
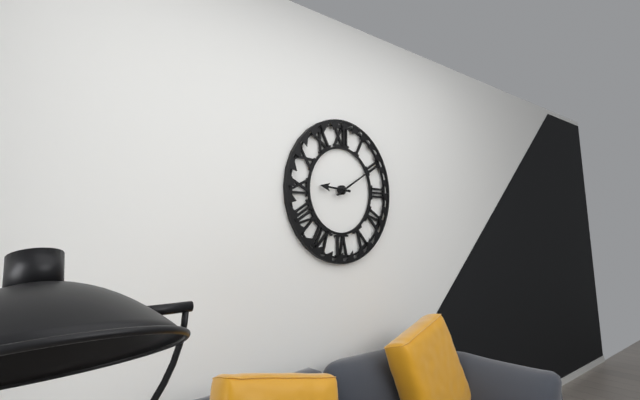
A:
9,10
